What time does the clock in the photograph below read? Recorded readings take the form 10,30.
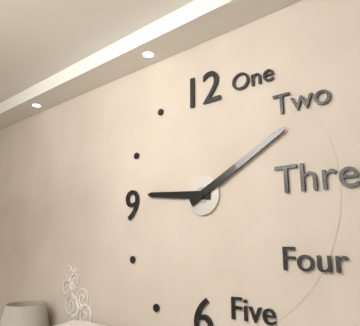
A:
9,10
